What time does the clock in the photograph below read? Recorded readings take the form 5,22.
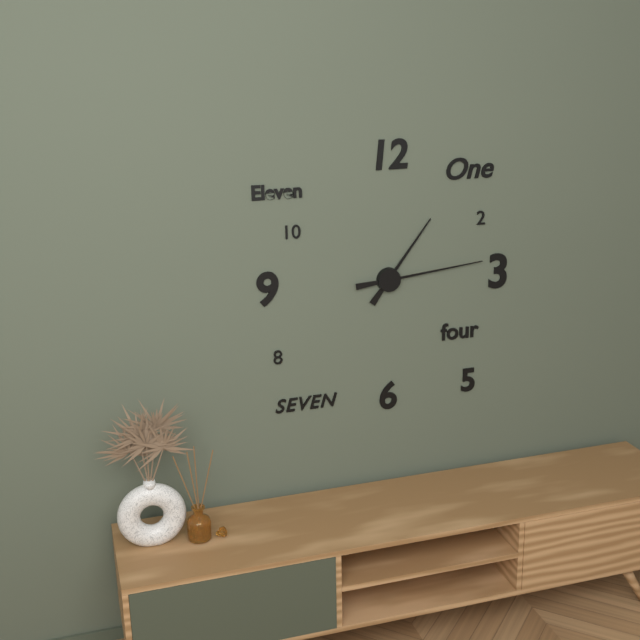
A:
1,14
